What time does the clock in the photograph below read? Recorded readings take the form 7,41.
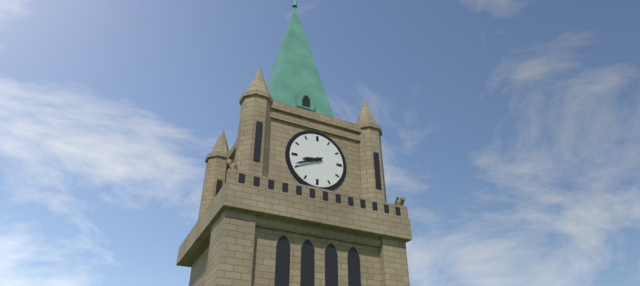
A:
8,41
